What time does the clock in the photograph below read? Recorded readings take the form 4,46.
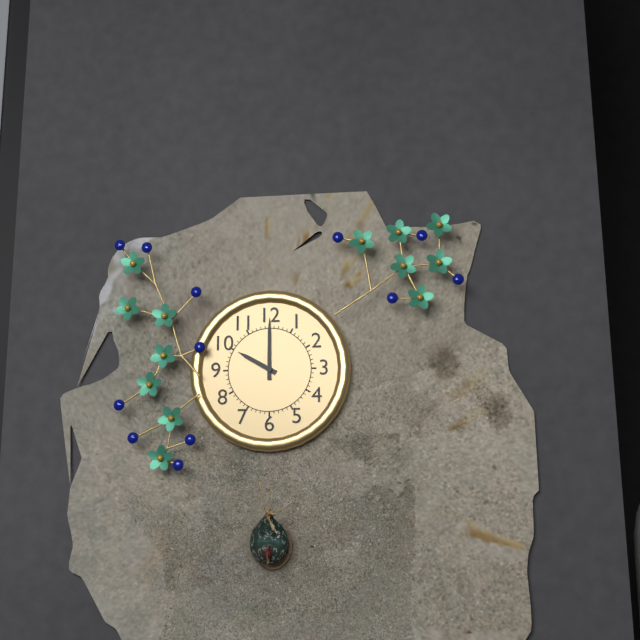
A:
10,00
